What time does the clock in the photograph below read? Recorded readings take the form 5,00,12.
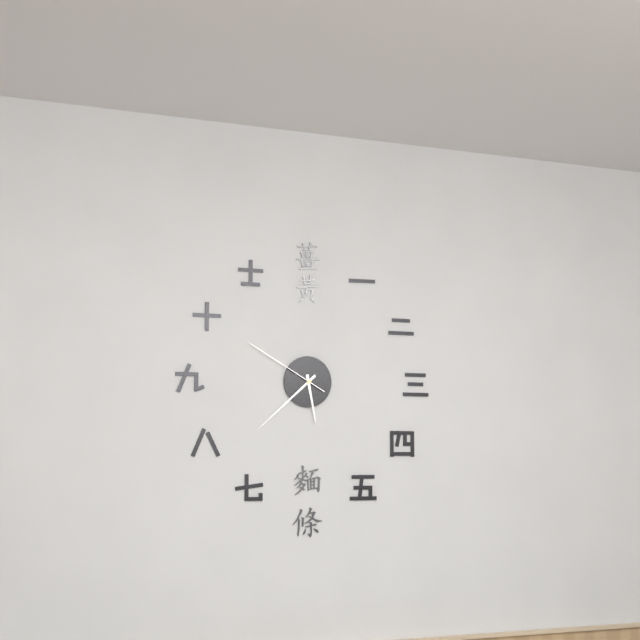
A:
5,38,50
